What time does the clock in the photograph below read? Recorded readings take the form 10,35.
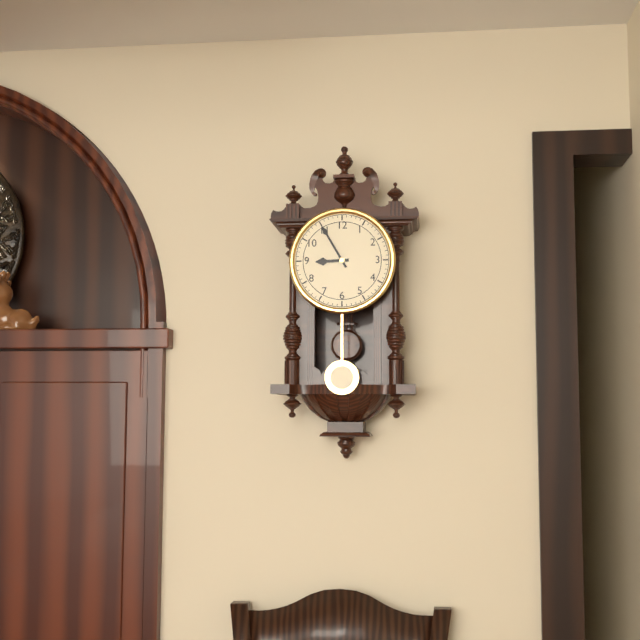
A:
8,55
